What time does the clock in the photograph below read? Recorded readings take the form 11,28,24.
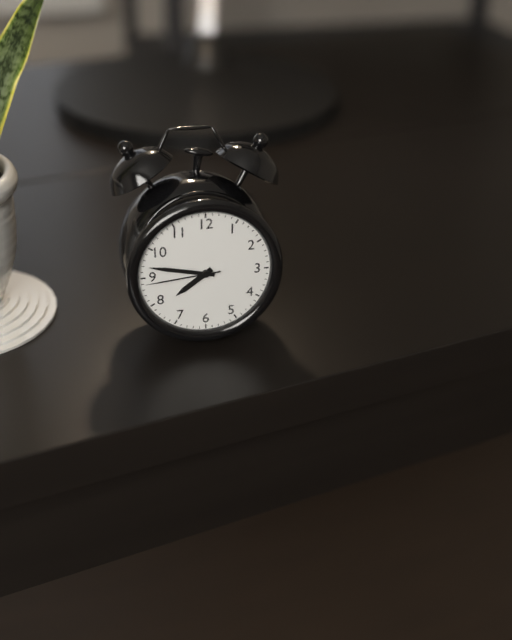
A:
7,47,44
